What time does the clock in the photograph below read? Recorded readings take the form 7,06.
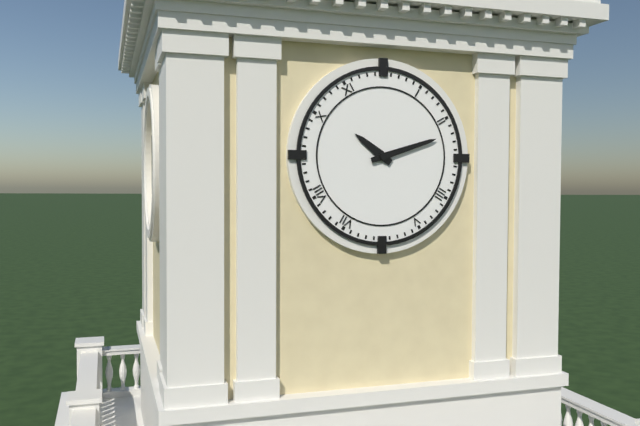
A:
10,12
